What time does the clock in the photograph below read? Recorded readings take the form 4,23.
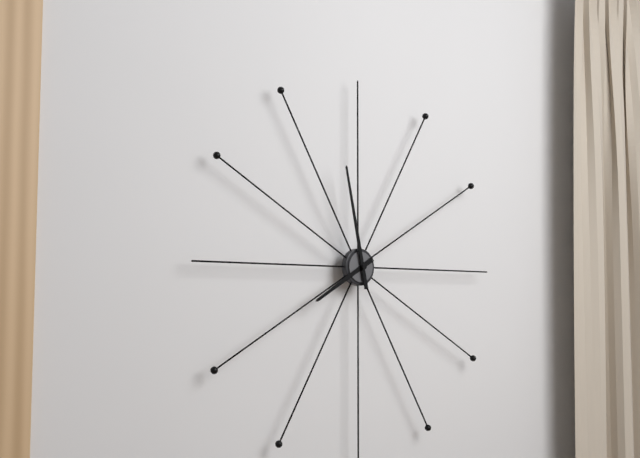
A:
7,58
